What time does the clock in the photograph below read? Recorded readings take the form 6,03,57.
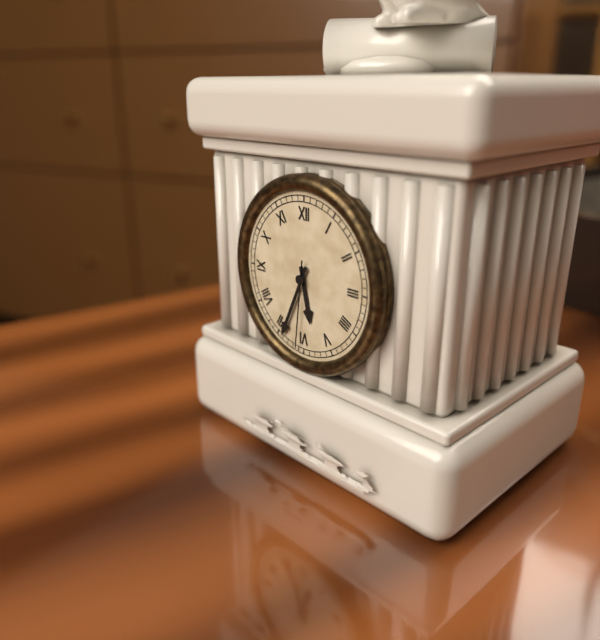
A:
5,34,31
